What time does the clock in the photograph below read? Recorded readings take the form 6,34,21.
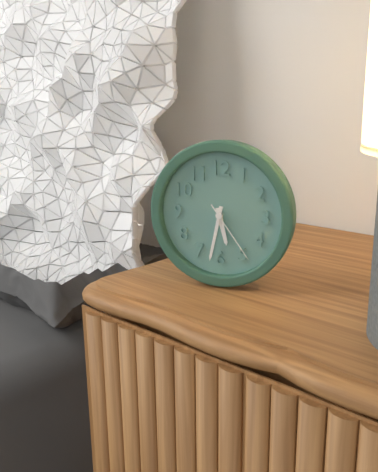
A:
5,32,24
